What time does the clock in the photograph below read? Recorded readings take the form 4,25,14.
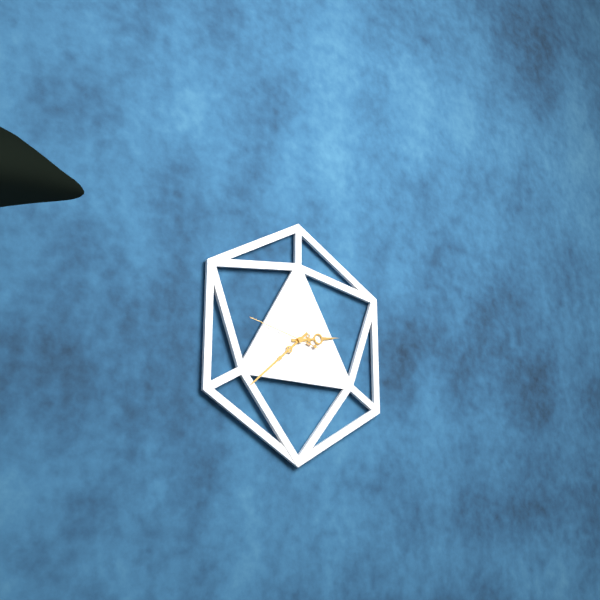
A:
2,38,47
